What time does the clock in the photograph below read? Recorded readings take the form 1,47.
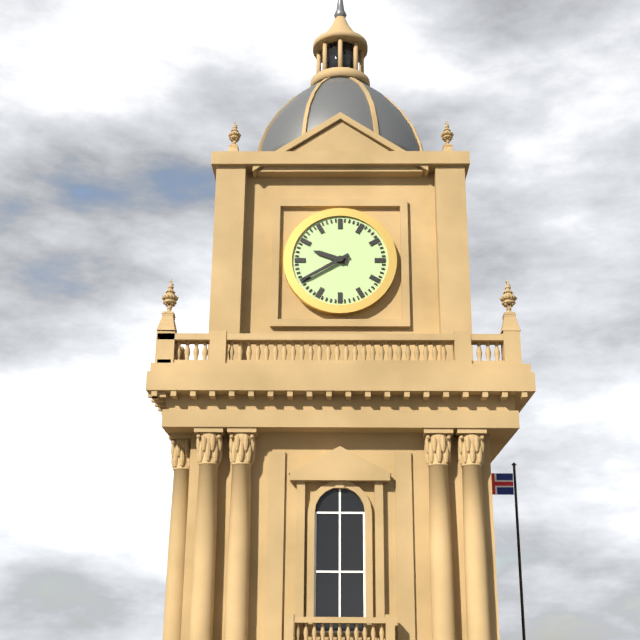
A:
9,40
